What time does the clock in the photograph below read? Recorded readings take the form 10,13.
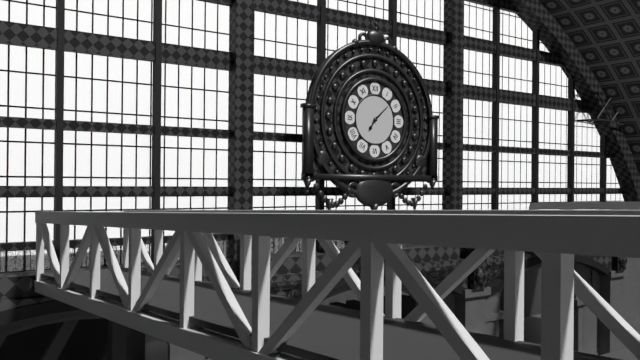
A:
7,08
